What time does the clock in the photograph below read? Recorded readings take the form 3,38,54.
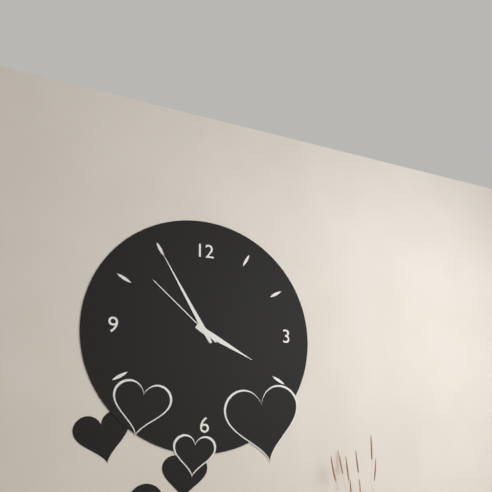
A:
3,55,52
